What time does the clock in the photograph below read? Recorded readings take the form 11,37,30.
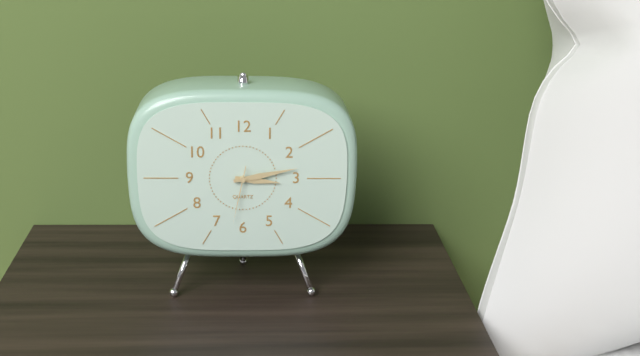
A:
3,13,32
